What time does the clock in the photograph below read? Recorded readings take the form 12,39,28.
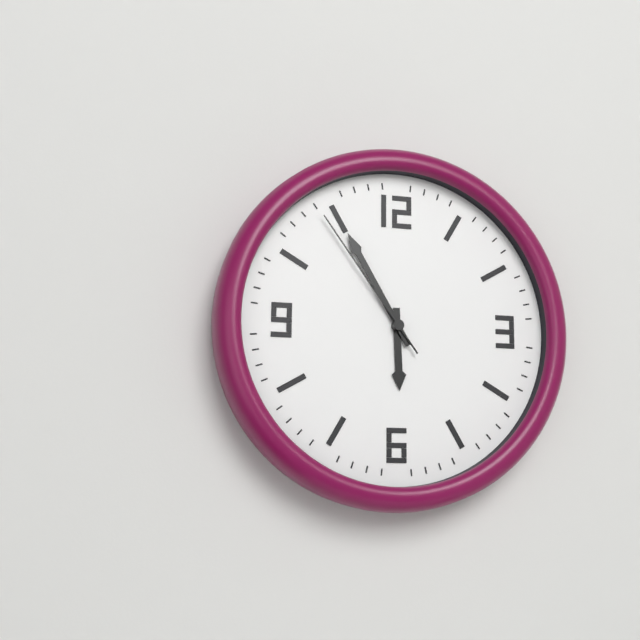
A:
5,55,54
